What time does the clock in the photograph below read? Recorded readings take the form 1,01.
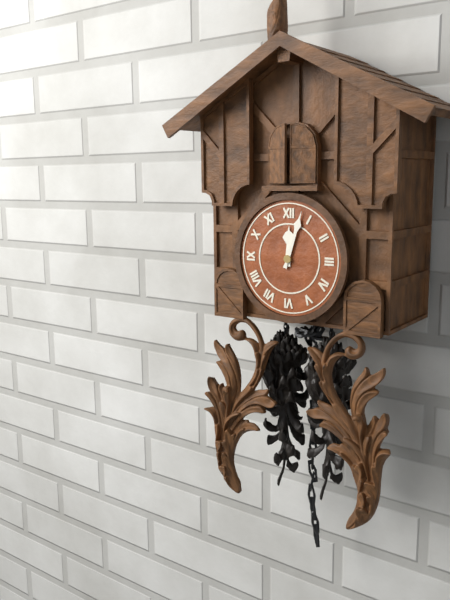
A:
12,03
